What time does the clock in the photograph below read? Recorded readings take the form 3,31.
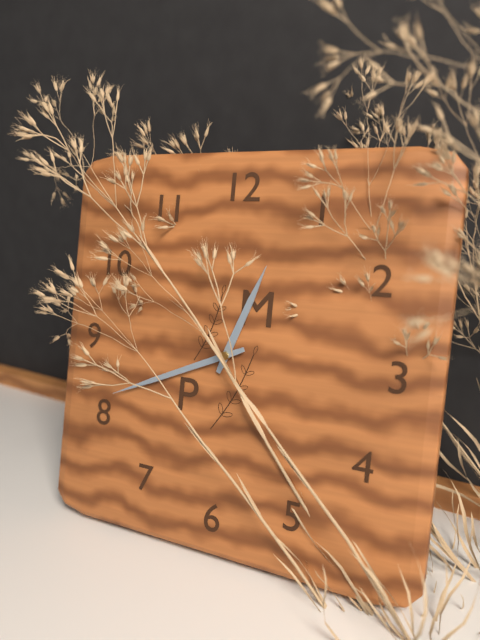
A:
12,41
